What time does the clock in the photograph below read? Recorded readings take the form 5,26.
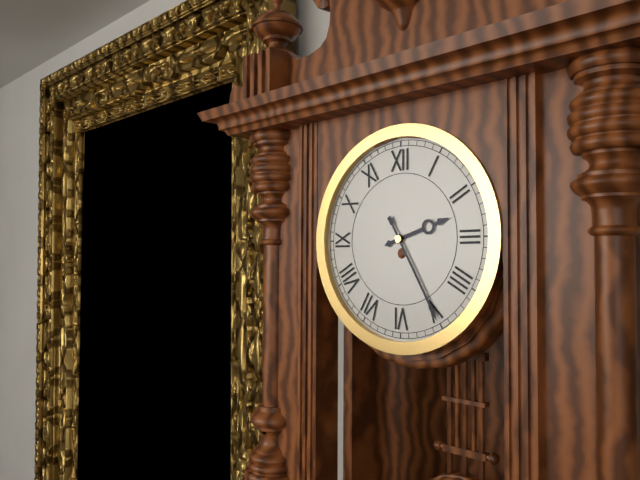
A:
2,25
